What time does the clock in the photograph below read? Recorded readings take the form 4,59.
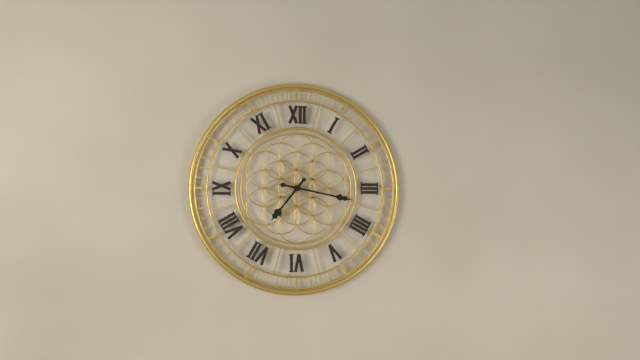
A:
7,17
